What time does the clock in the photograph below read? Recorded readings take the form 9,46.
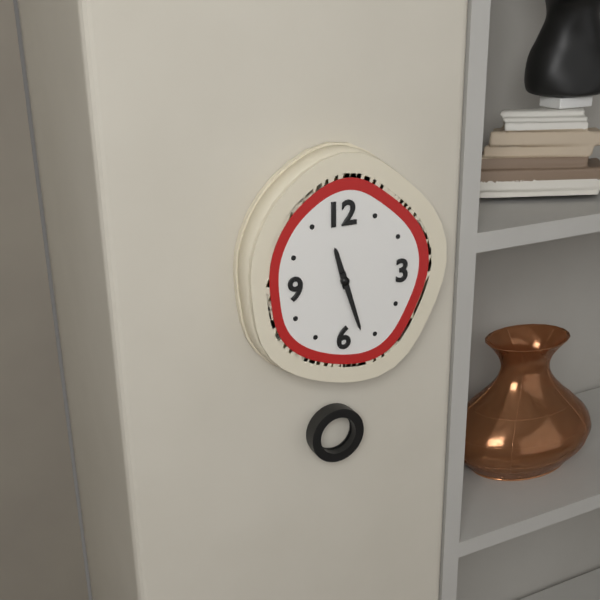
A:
11,27
